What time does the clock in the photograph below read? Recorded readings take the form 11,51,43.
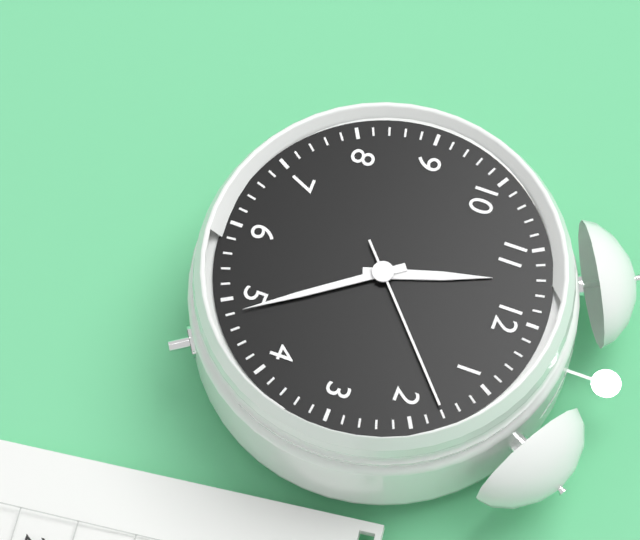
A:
11,24,08
